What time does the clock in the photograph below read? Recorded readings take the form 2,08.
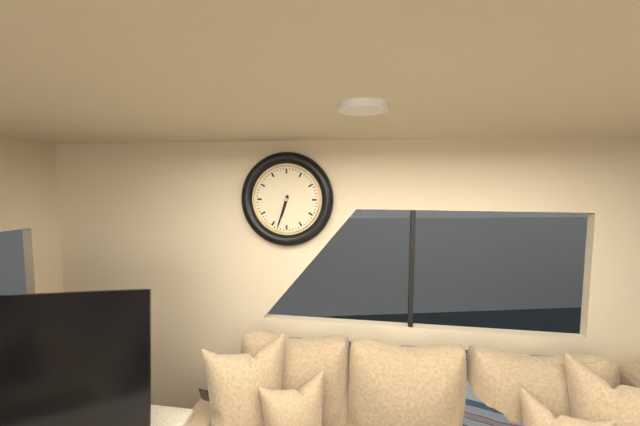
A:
6,33
